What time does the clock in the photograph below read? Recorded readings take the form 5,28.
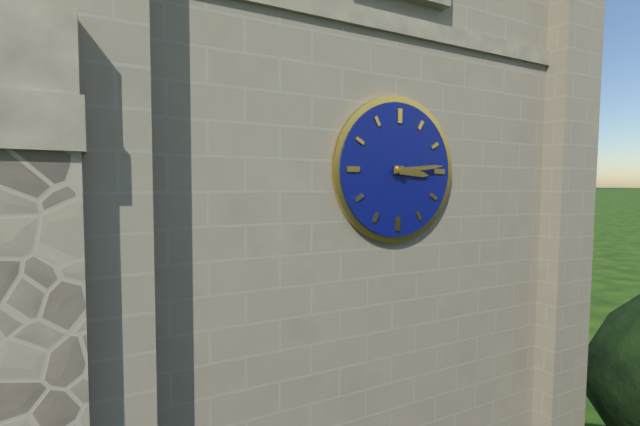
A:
3,14
